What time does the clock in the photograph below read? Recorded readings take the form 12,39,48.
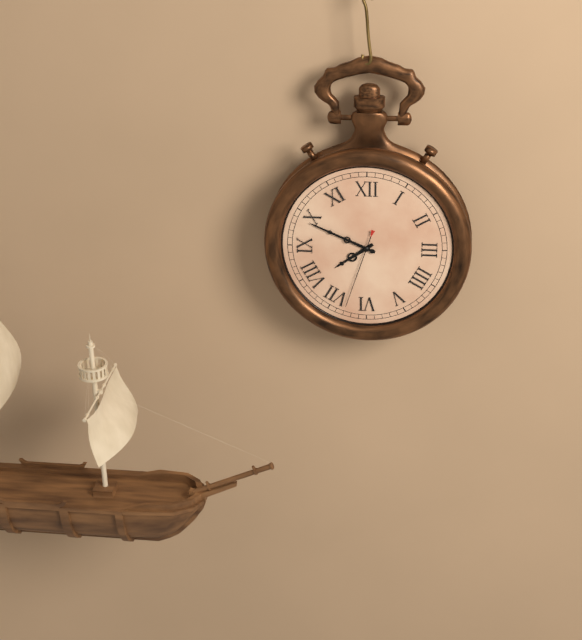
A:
7,49,33
